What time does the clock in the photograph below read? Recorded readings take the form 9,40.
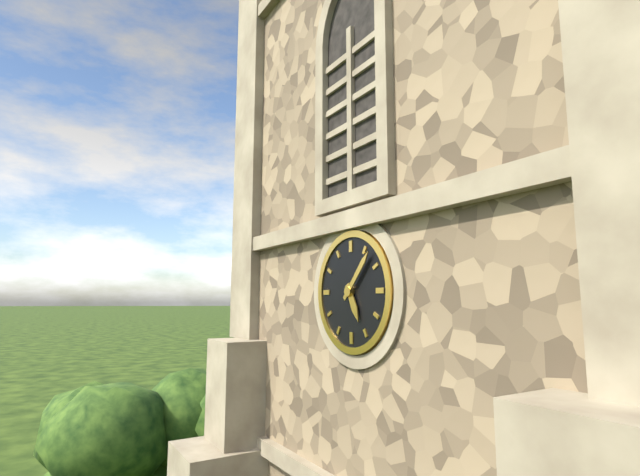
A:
5,07
